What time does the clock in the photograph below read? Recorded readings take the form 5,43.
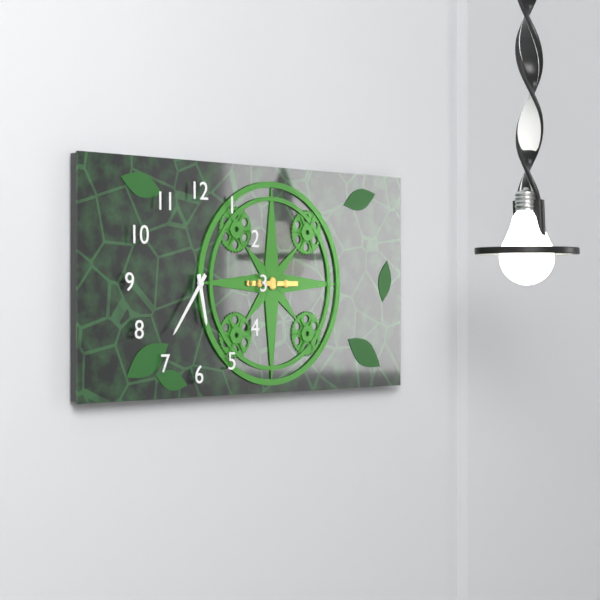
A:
5,36
